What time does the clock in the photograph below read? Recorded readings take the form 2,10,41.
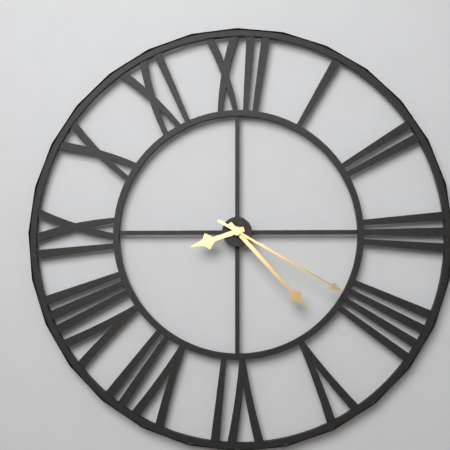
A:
8,23,20
